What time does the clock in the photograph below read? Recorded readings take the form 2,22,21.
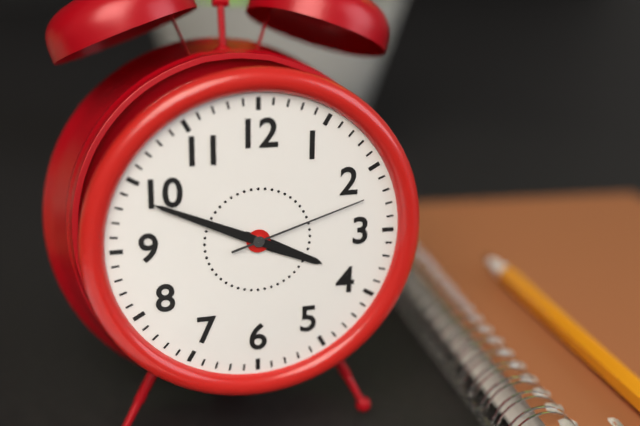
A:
3,49,12
